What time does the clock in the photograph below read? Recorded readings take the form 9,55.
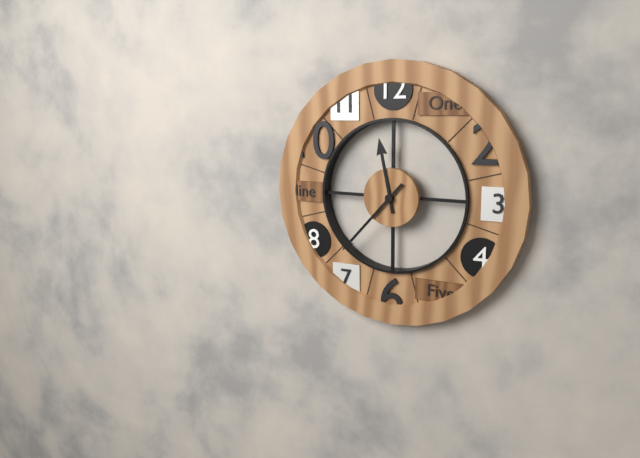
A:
11,37
